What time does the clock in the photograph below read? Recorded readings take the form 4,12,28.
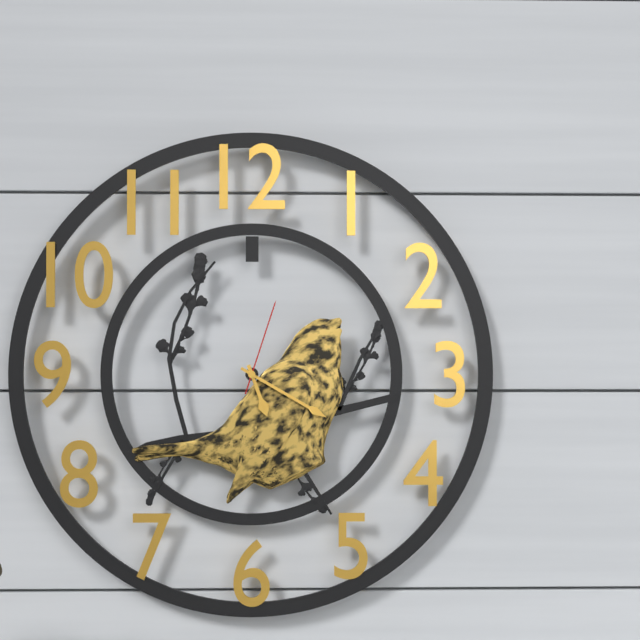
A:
5,20,03
